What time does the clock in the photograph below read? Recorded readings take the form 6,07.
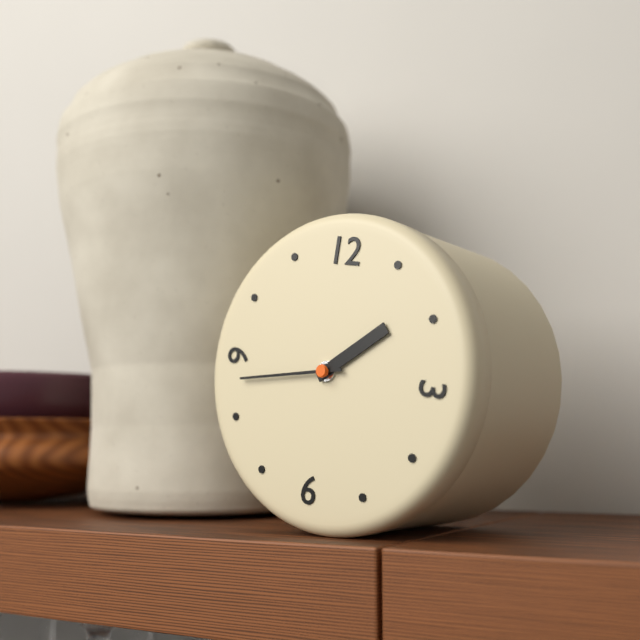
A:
1,43
